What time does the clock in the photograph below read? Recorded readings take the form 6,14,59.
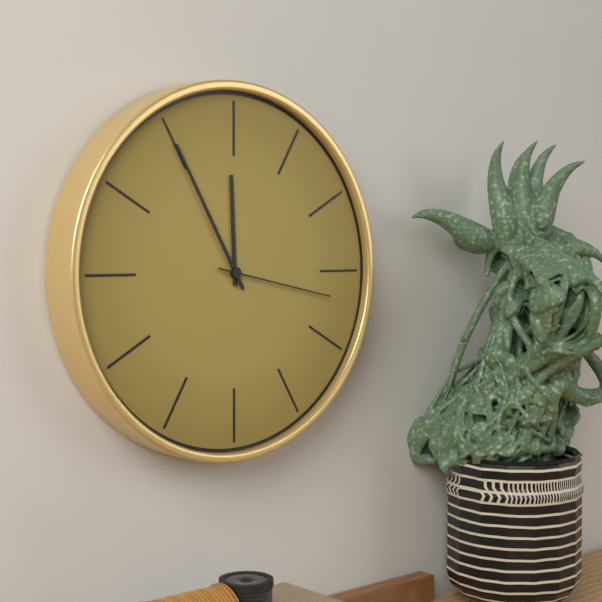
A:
11,55,17
